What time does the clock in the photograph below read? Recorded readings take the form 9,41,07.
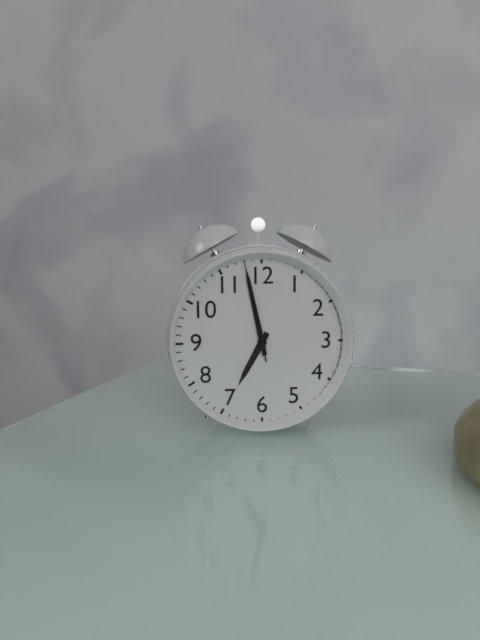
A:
6,58,58
